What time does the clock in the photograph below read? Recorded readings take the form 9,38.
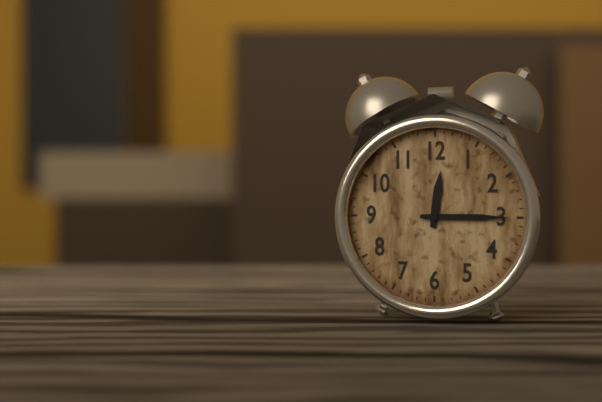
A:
12,15
